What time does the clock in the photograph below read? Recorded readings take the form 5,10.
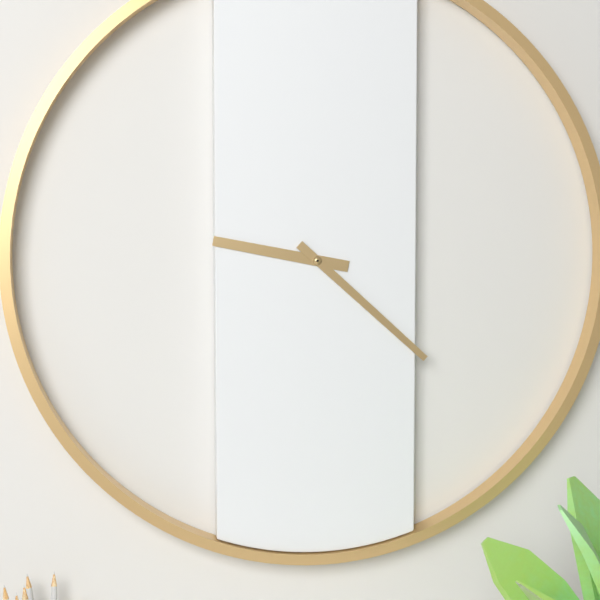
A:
9,22
